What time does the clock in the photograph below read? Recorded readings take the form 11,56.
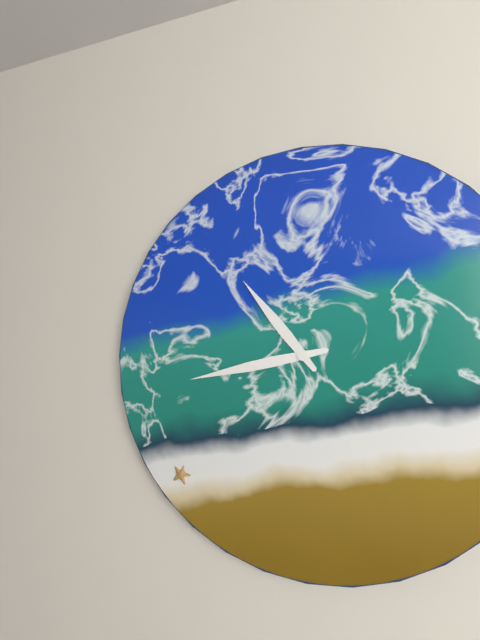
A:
10,43
